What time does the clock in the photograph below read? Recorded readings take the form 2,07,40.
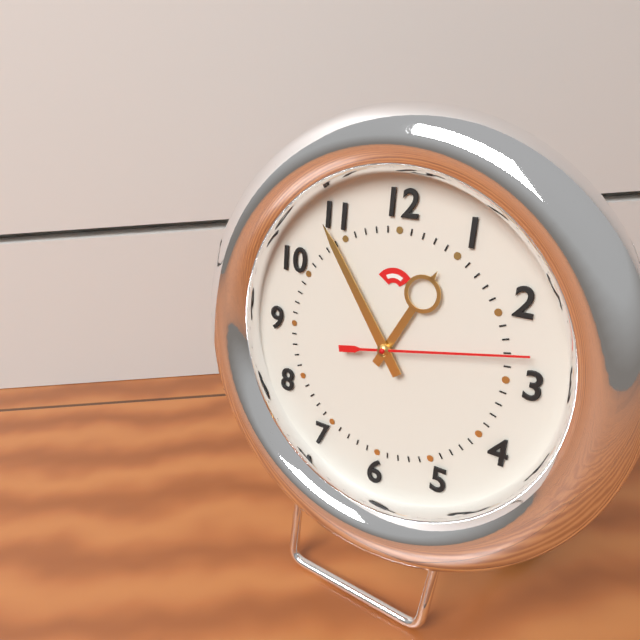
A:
12,54,13
